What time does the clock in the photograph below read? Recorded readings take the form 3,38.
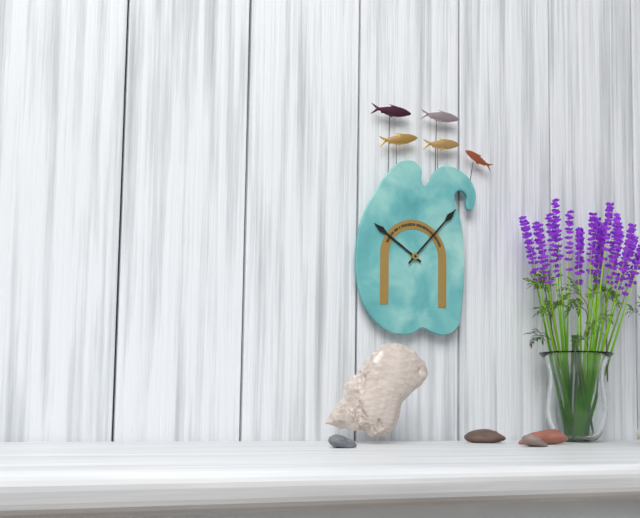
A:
10,07
